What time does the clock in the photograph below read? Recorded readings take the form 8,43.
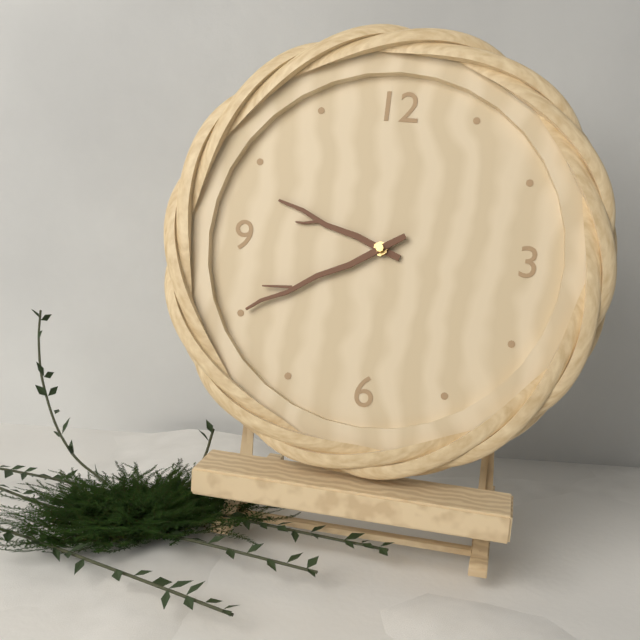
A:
9,40
